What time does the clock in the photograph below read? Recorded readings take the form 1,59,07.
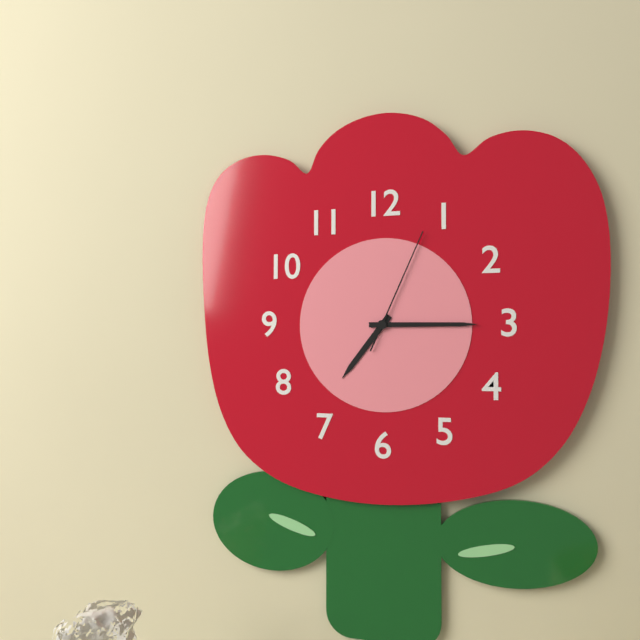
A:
7,15,04
